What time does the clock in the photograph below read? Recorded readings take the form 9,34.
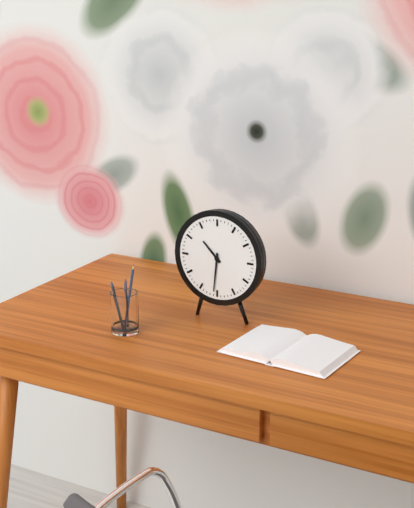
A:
10,31
